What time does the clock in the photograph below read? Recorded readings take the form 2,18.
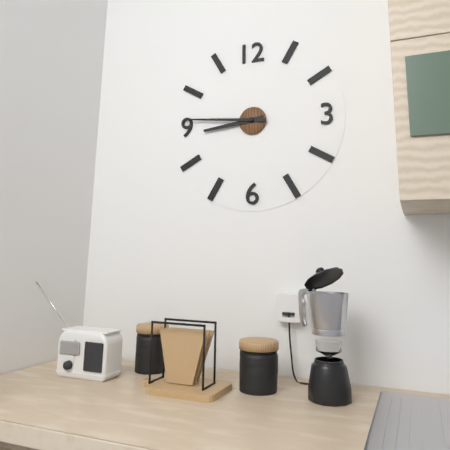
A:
8,46
